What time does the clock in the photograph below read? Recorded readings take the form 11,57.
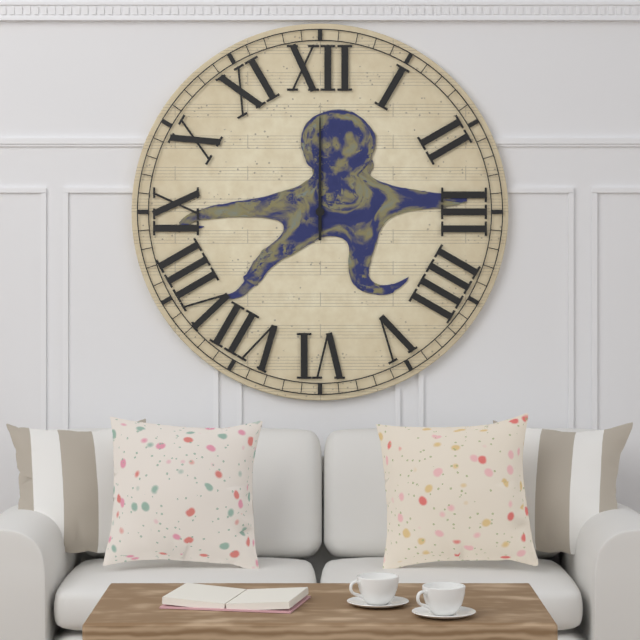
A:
12,00
